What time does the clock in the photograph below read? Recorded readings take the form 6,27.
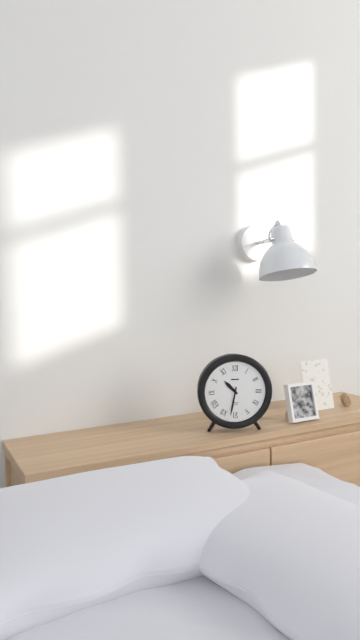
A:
10,32
